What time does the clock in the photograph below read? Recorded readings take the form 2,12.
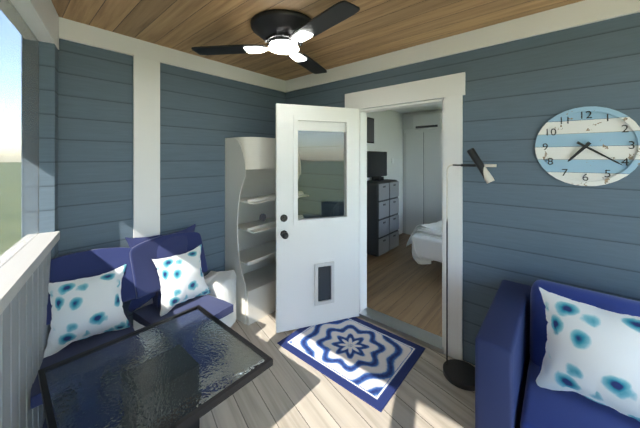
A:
7,21
